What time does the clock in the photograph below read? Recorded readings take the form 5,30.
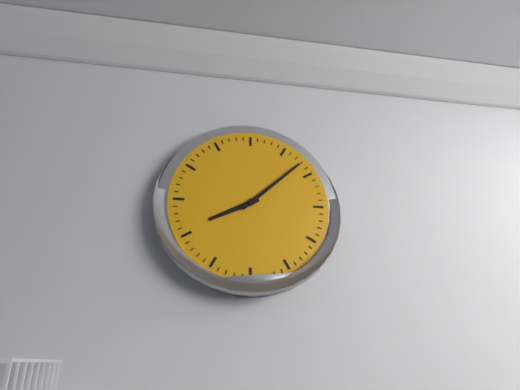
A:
8,08
